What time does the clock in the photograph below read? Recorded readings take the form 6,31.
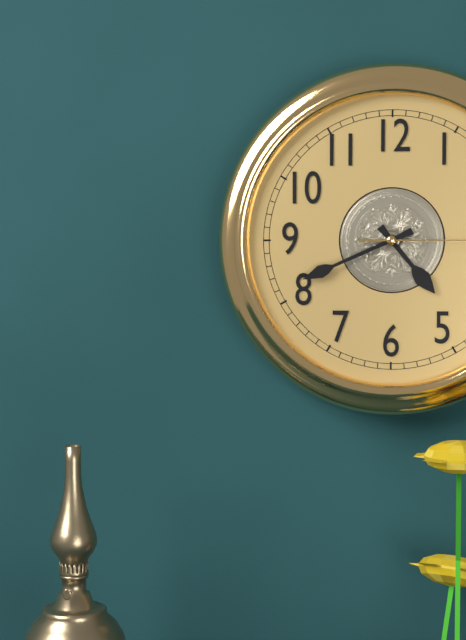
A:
4,41
